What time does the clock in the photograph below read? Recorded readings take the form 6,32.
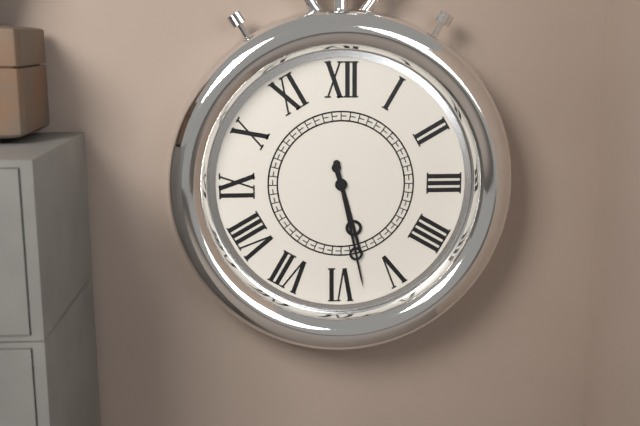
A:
5,28
